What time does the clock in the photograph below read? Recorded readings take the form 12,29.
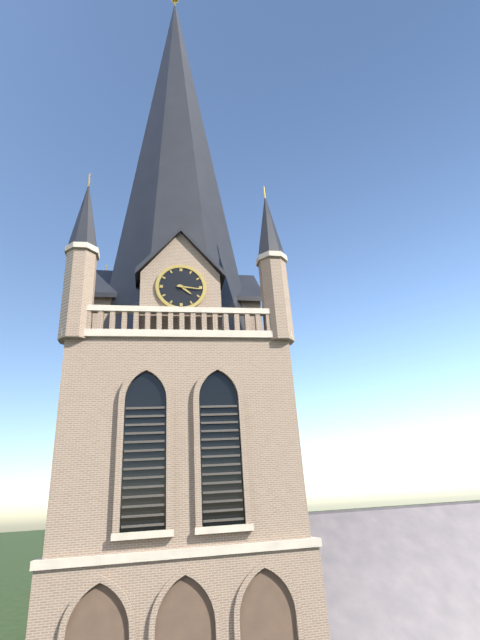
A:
4,16
